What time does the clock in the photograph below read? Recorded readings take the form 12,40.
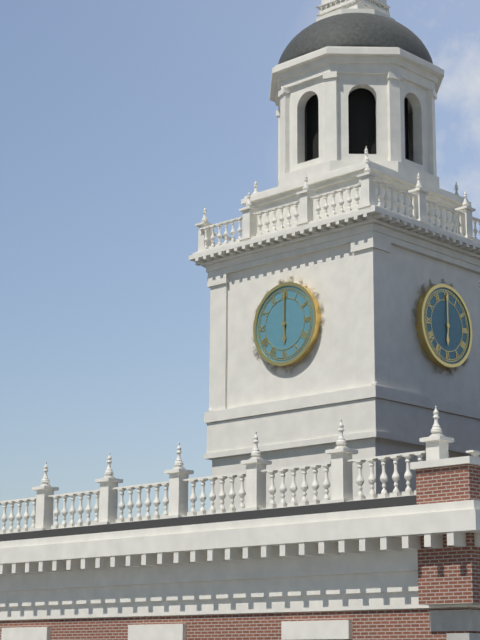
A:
6,00
